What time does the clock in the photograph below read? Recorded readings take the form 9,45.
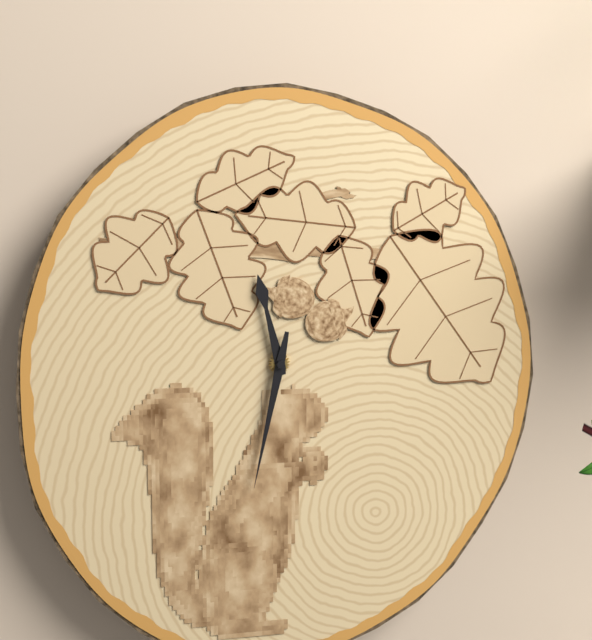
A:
11,32
